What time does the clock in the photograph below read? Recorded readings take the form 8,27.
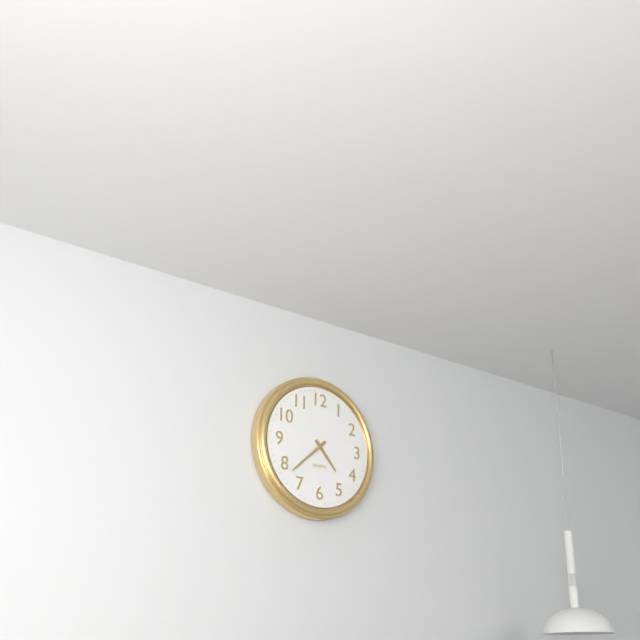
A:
4,38
